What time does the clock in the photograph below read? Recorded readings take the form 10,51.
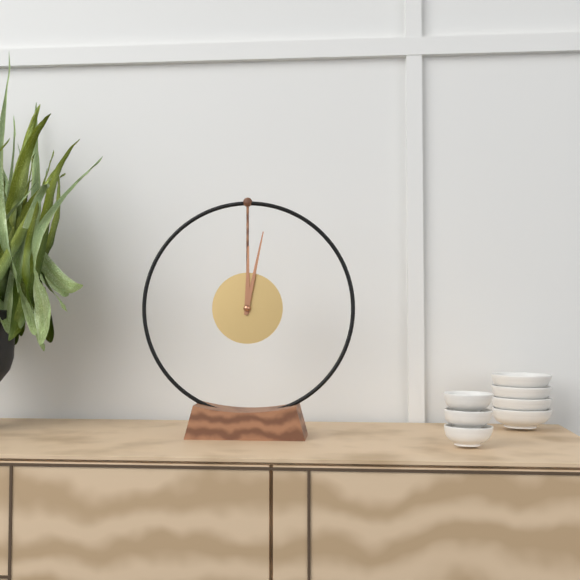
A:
12,02
